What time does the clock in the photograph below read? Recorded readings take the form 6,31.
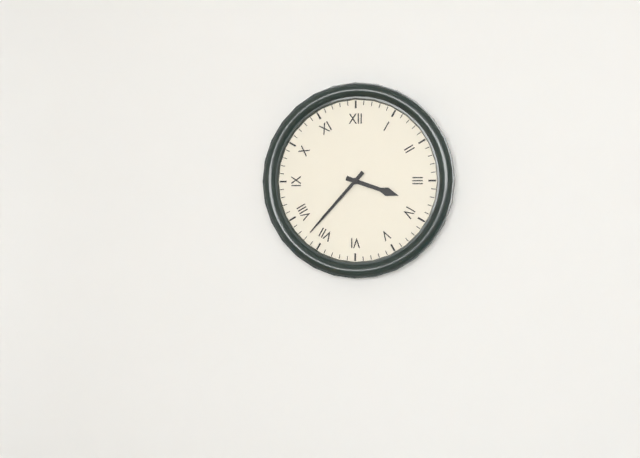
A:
3,37
